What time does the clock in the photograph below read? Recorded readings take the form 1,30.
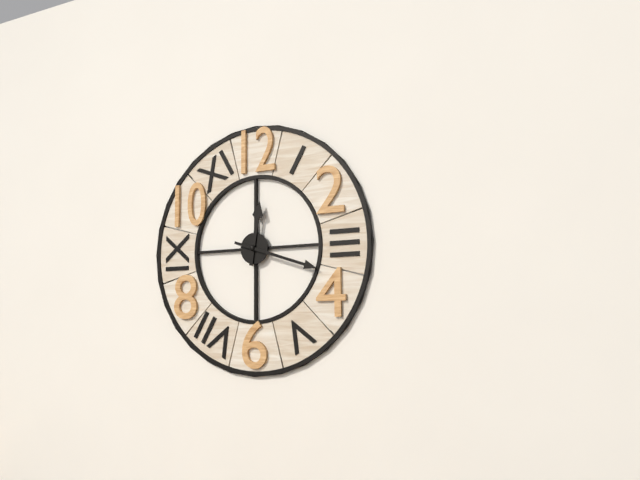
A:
12,18
